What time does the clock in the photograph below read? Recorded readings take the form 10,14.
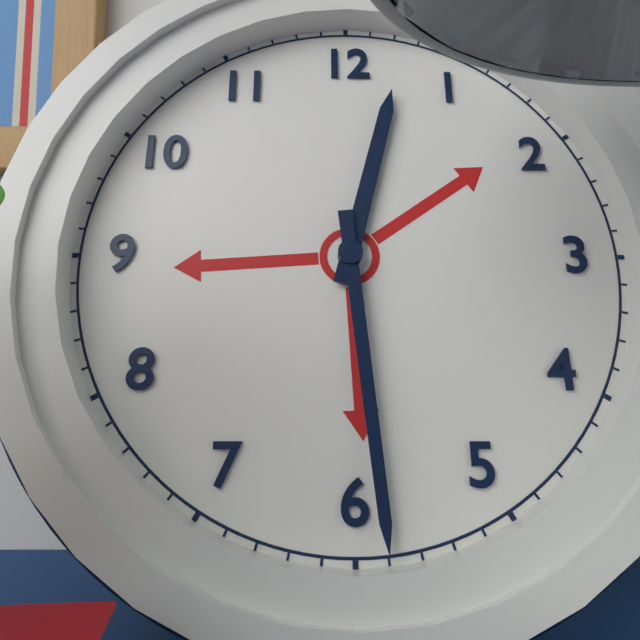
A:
12,29
